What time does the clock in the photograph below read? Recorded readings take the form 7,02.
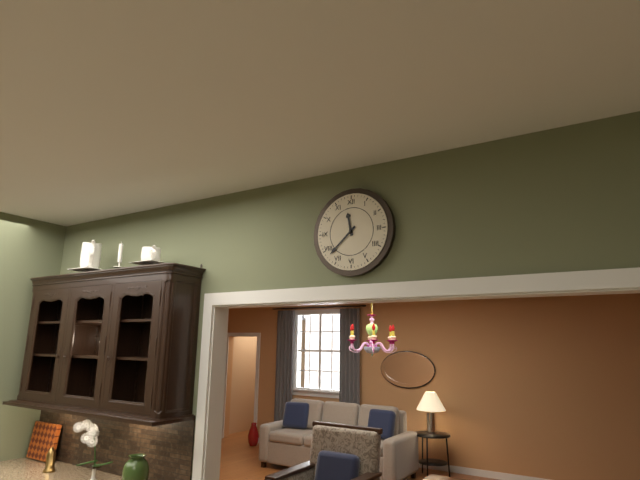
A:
11,38
